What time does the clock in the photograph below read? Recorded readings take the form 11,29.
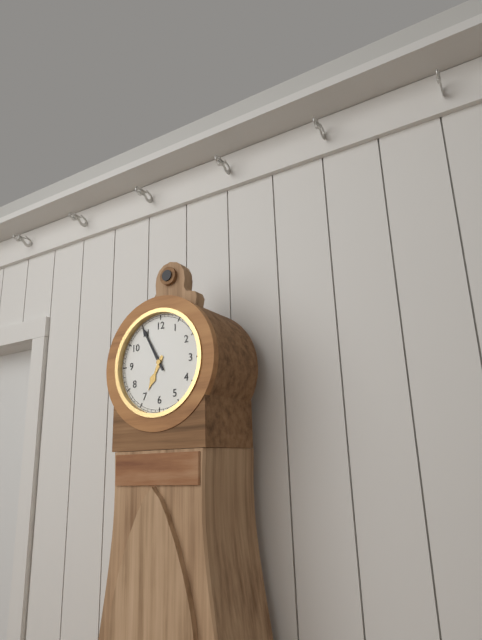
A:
6,55
